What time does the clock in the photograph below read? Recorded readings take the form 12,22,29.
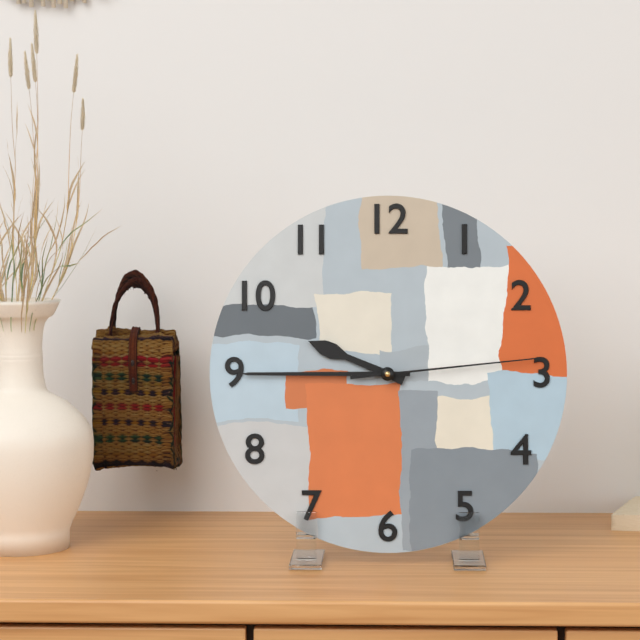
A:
9,45,14
